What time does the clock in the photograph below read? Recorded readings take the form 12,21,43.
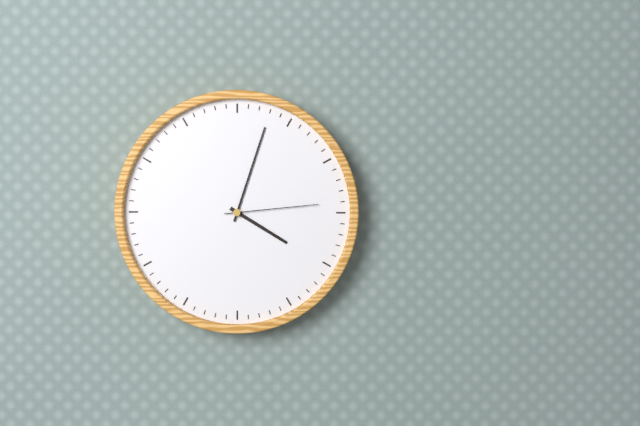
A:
4,03,14
